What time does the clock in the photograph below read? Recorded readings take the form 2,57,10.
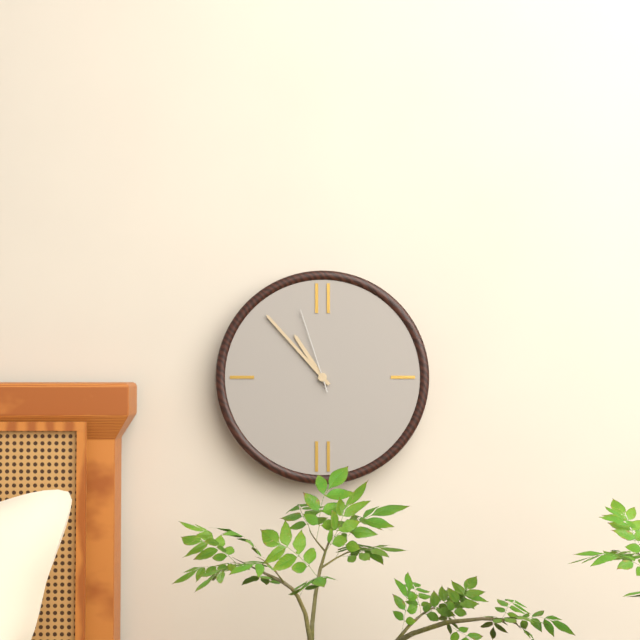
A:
10,53,57
